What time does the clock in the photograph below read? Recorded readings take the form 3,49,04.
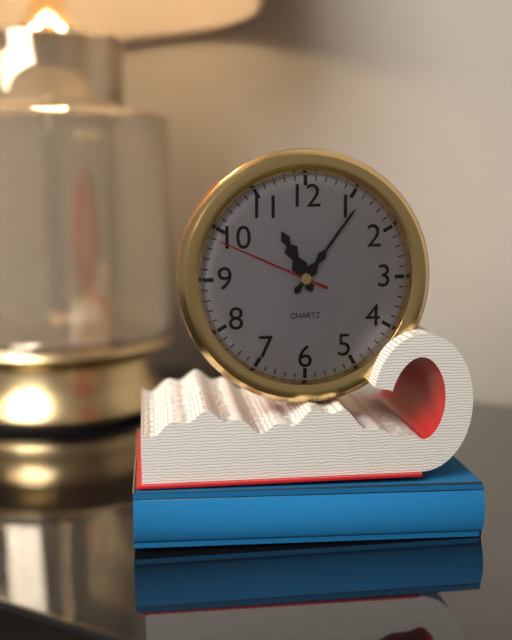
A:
11,06,49
